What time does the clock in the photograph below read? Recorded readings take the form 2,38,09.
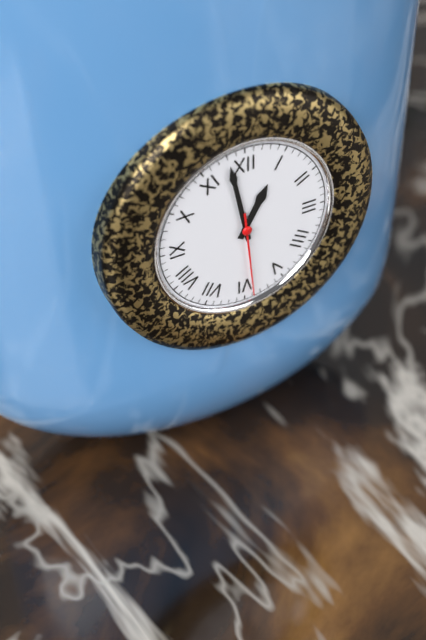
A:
12,58,29
